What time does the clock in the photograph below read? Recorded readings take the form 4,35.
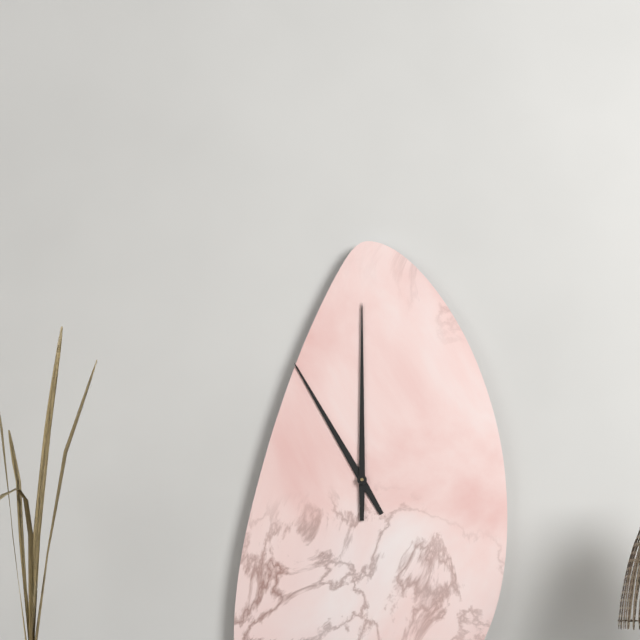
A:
11,00
